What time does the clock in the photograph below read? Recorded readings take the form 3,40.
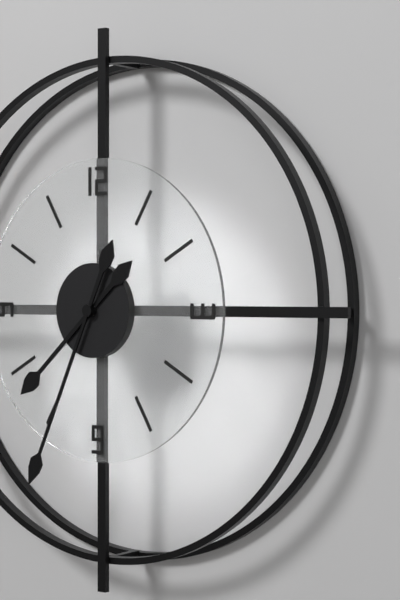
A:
7,34
